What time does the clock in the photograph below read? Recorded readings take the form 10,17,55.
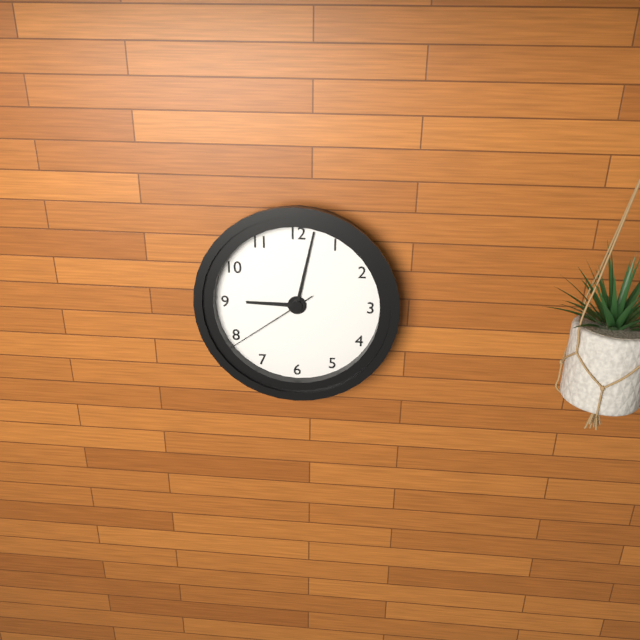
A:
9,02,39
